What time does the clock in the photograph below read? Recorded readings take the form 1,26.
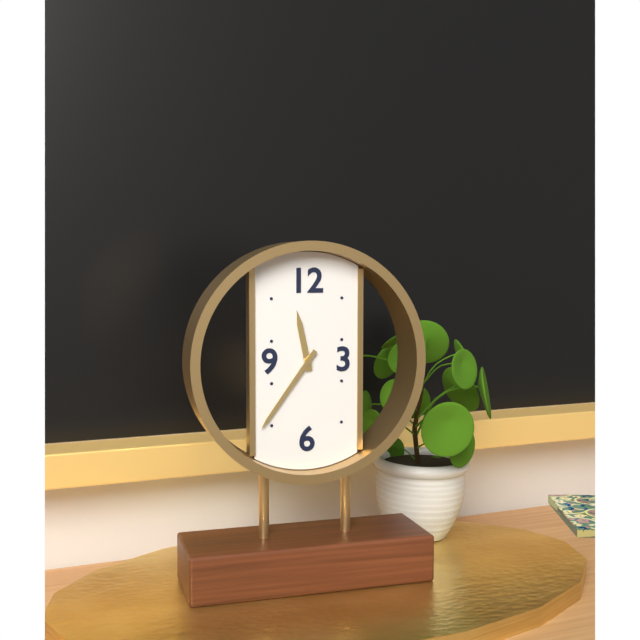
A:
11,36
